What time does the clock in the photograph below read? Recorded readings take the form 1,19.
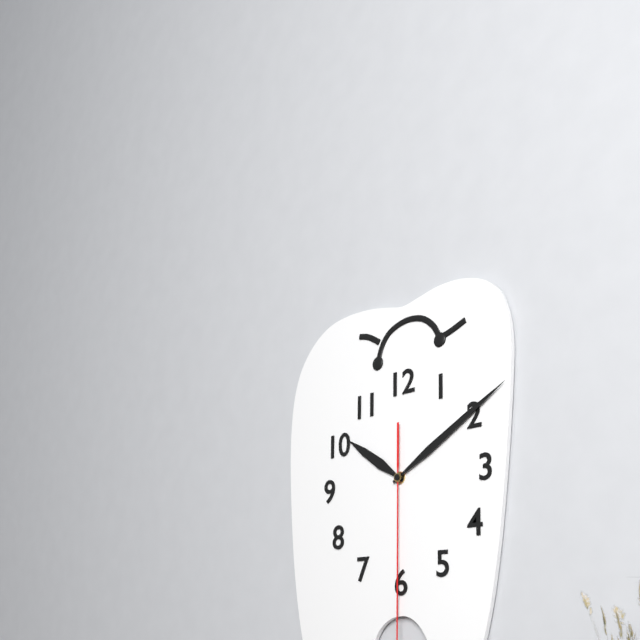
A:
10,10
